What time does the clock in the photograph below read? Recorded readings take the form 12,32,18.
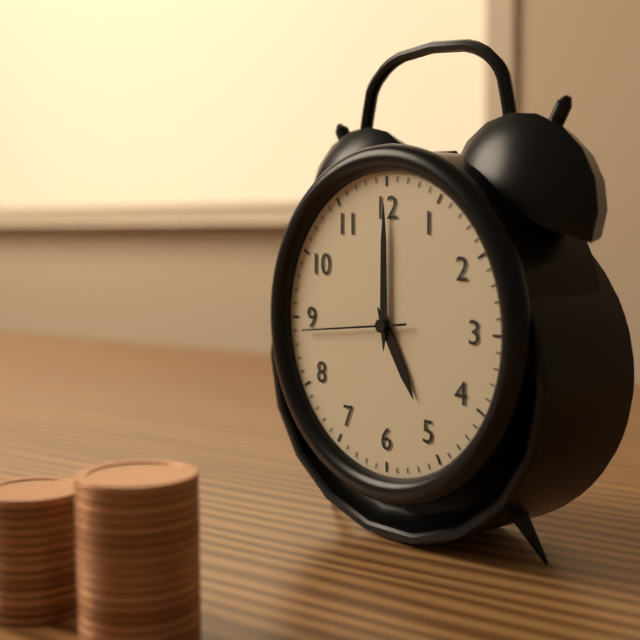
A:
5,00,44
